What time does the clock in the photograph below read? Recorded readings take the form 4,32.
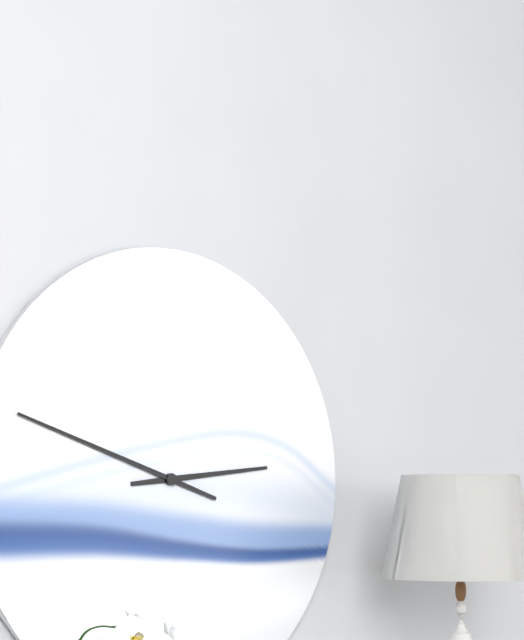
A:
2,48
